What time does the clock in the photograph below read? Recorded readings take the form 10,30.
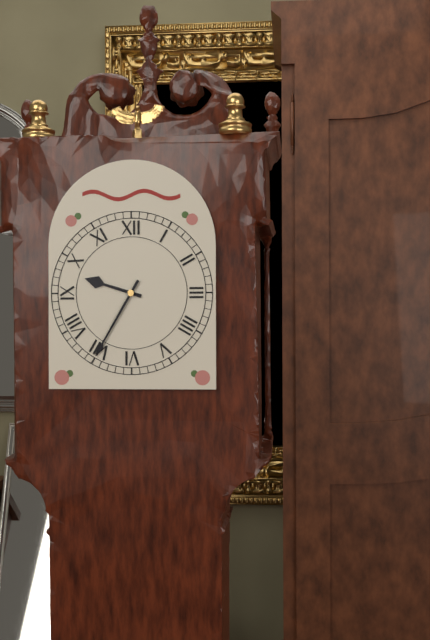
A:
9,35
